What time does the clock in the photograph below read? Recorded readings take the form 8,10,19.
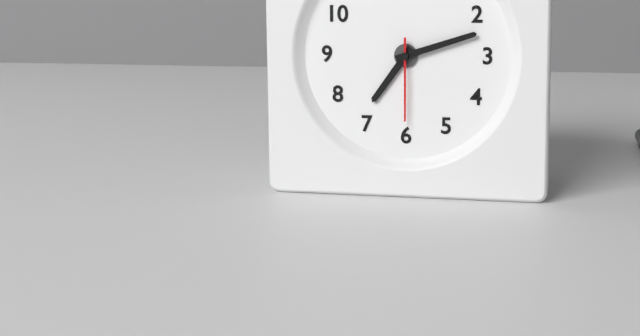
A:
7,12,30
